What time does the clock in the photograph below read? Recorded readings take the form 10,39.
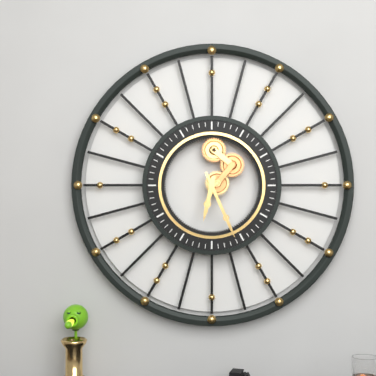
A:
6,26
